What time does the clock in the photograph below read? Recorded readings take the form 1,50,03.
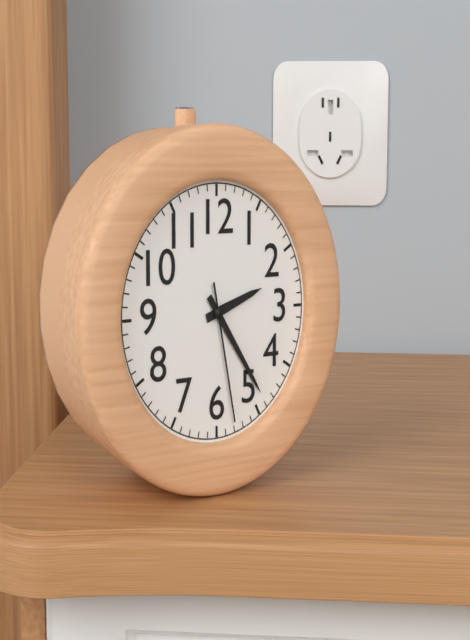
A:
2,24,28
